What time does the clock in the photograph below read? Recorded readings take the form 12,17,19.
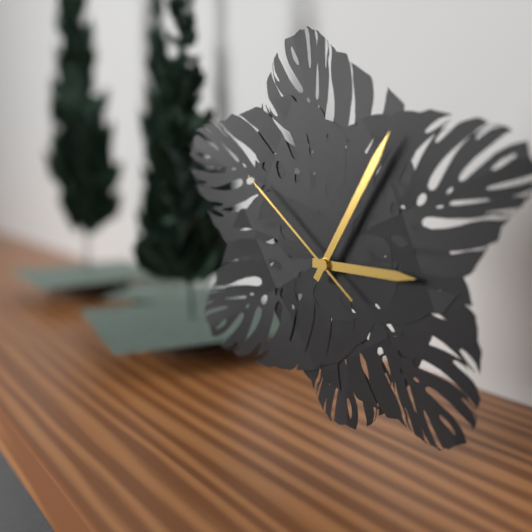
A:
3,05,52
